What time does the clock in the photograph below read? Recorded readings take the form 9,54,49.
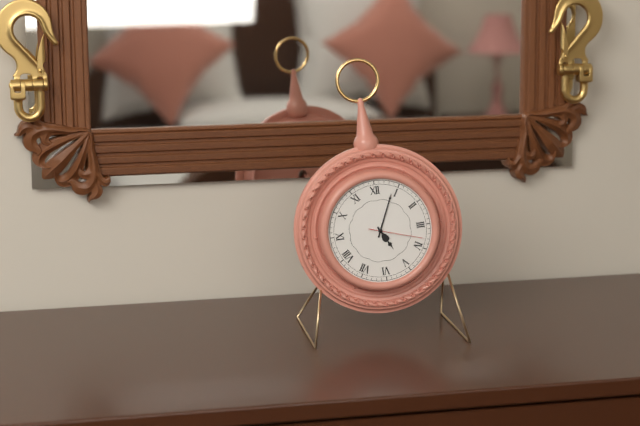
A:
5,04,18
